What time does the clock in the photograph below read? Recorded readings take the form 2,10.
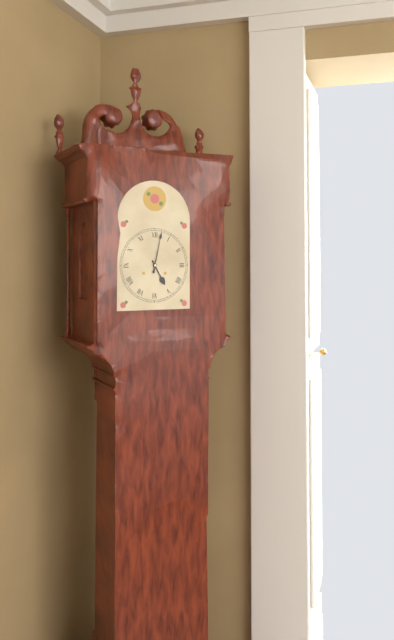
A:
5,02
